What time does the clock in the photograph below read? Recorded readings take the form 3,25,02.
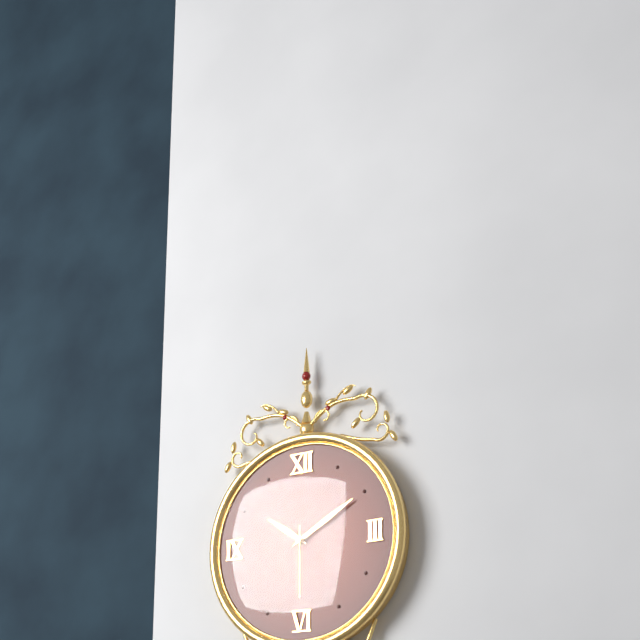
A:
10,10,30
